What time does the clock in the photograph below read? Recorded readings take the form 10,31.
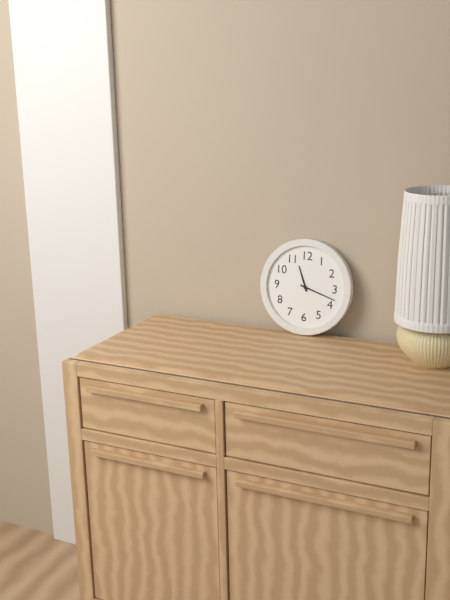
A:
11,18
